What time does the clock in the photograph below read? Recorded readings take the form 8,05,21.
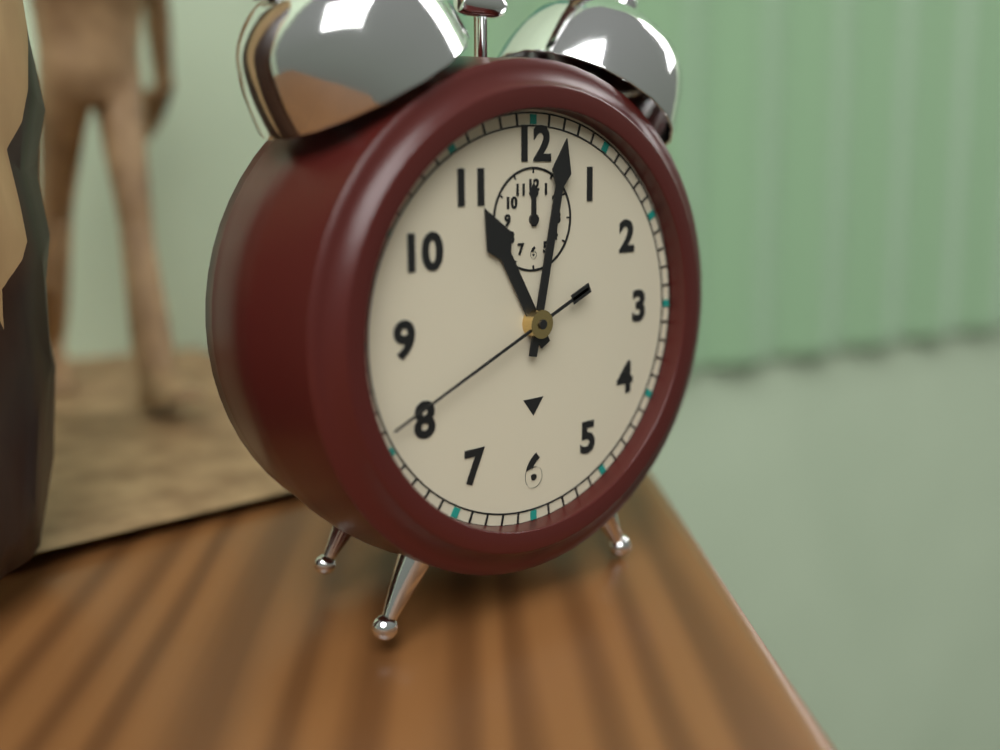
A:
11,02,41
